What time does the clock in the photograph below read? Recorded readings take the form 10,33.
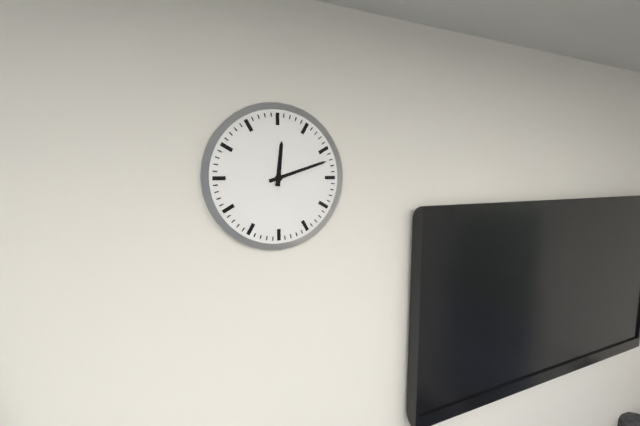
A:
12,12
